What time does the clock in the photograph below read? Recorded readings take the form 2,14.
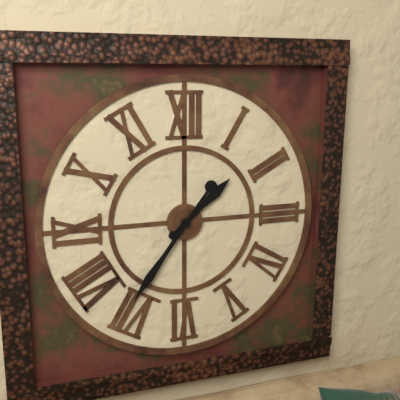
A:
1,36
